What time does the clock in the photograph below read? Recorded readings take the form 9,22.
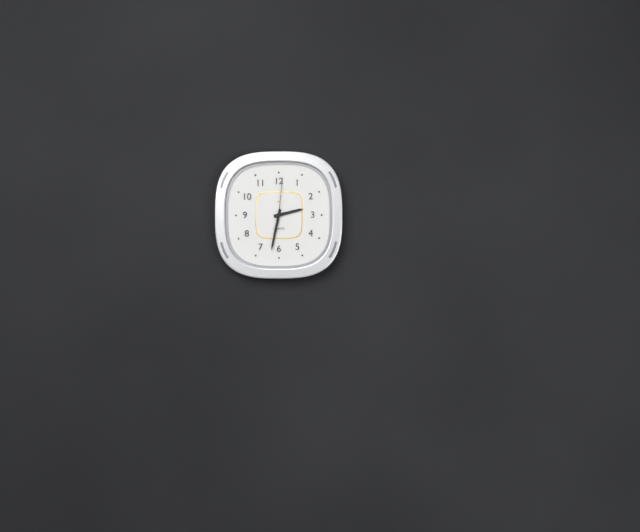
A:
2,32
